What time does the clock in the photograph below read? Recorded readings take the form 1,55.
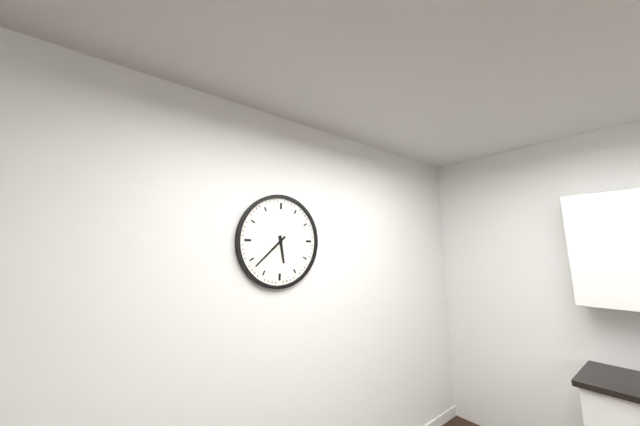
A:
5,38
